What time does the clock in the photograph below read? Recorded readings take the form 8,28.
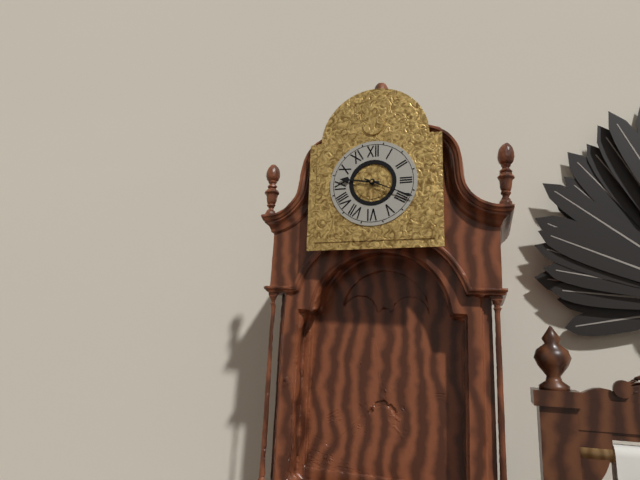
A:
9,19
